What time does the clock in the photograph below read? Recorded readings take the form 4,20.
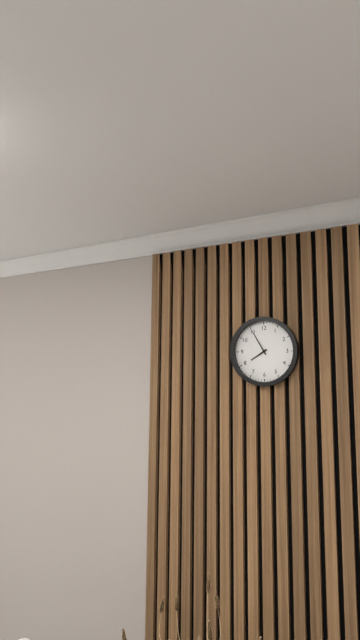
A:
7,55
